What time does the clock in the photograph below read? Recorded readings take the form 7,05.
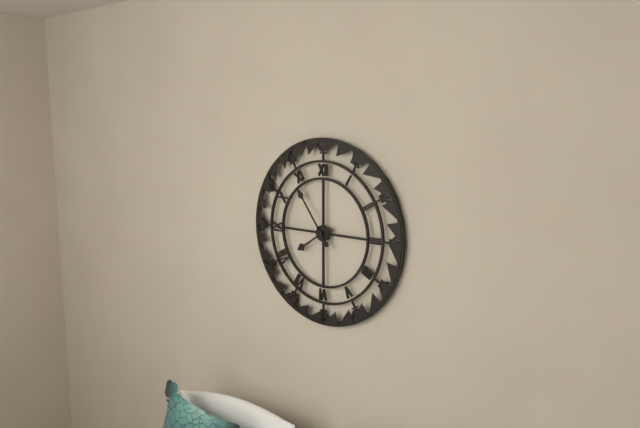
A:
7,54
